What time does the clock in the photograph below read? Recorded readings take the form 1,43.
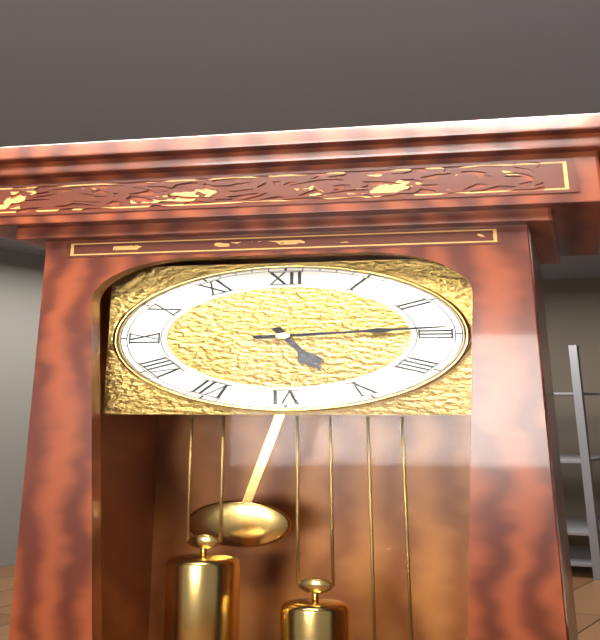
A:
5,14
